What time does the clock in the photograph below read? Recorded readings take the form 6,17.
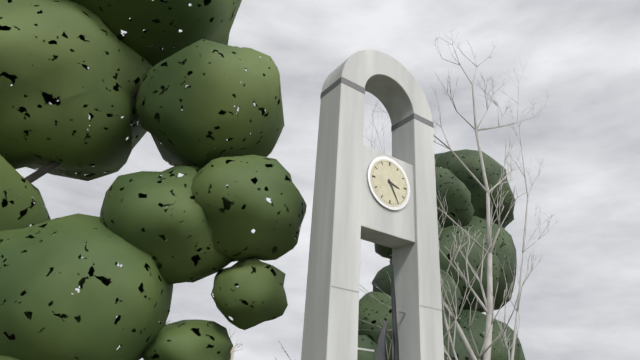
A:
3,25
